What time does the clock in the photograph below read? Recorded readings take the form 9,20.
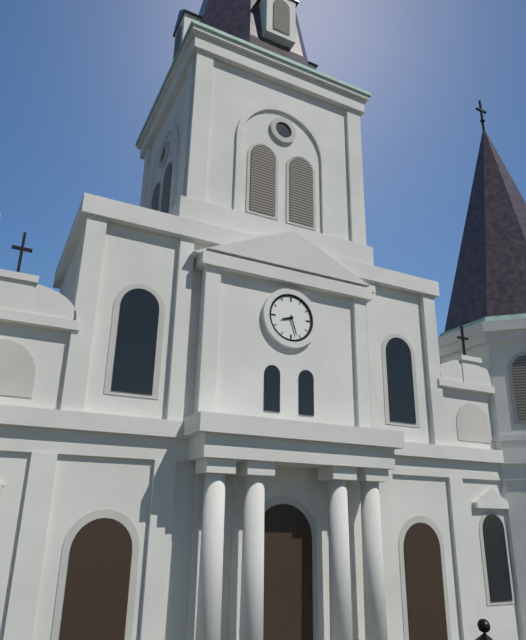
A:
8,27
